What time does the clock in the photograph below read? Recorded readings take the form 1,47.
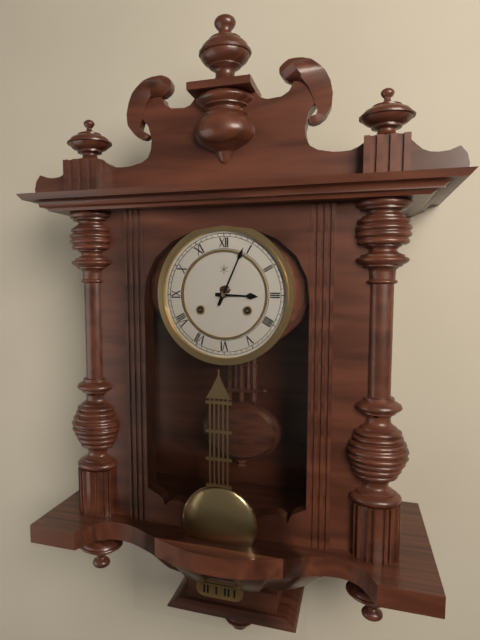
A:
3,04
